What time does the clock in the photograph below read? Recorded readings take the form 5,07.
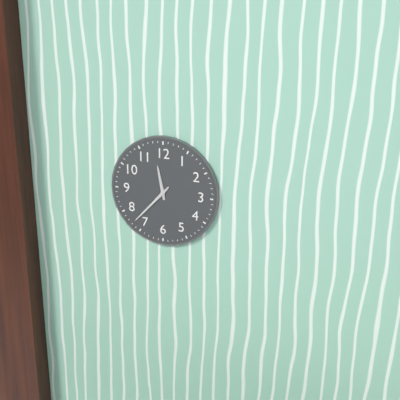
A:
11,37
